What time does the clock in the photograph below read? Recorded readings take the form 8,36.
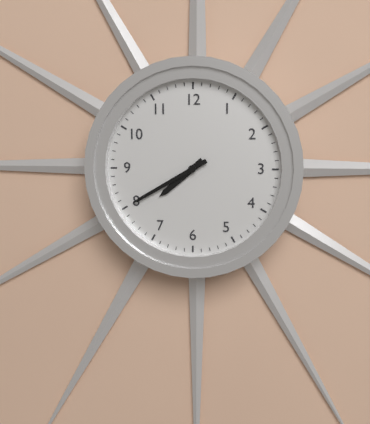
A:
7,40
